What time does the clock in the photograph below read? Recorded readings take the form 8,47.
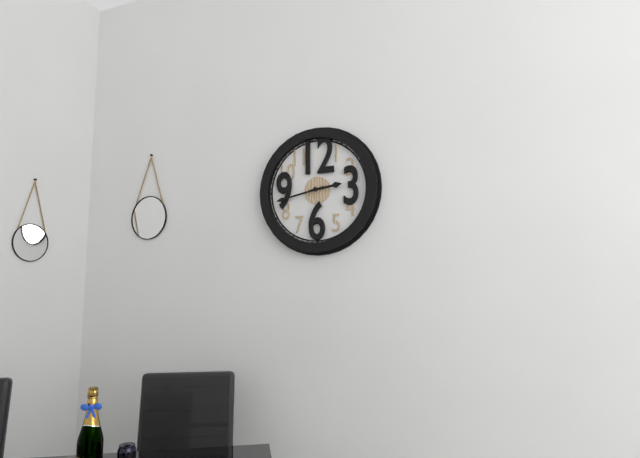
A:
2,43
